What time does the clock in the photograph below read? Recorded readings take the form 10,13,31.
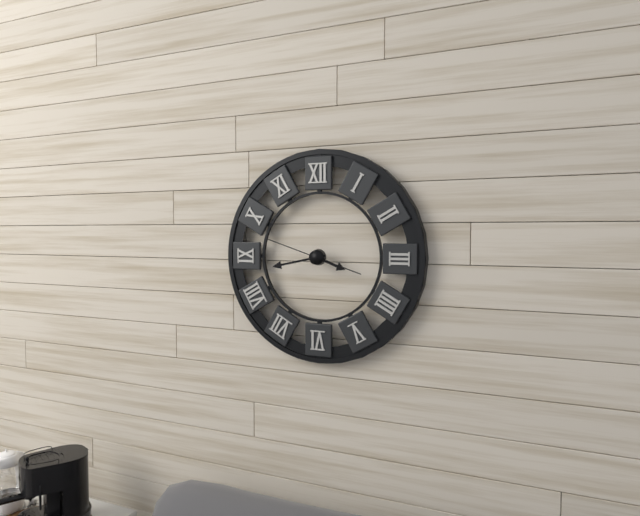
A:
3,43,48
